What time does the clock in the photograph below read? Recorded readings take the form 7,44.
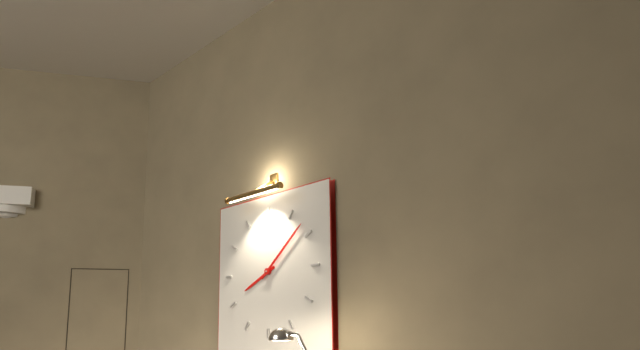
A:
8,08
